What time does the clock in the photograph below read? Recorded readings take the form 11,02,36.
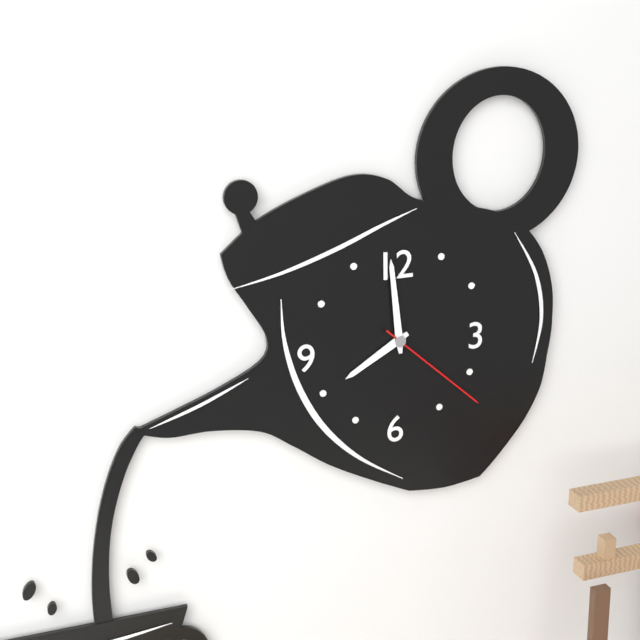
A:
7,59,22
